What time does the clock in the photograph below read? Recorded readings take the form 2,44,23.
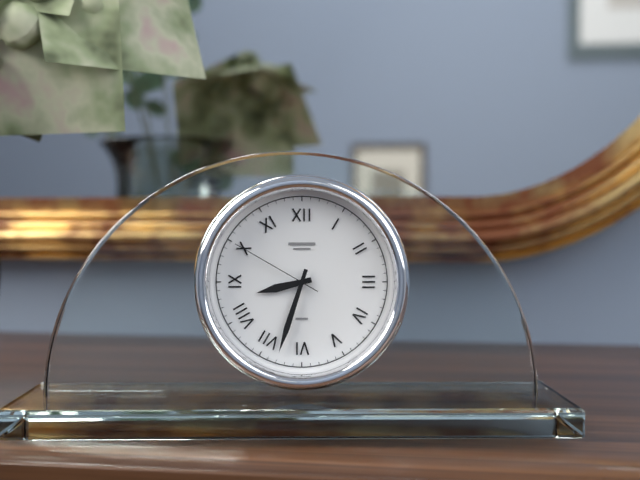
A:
8,33,50
